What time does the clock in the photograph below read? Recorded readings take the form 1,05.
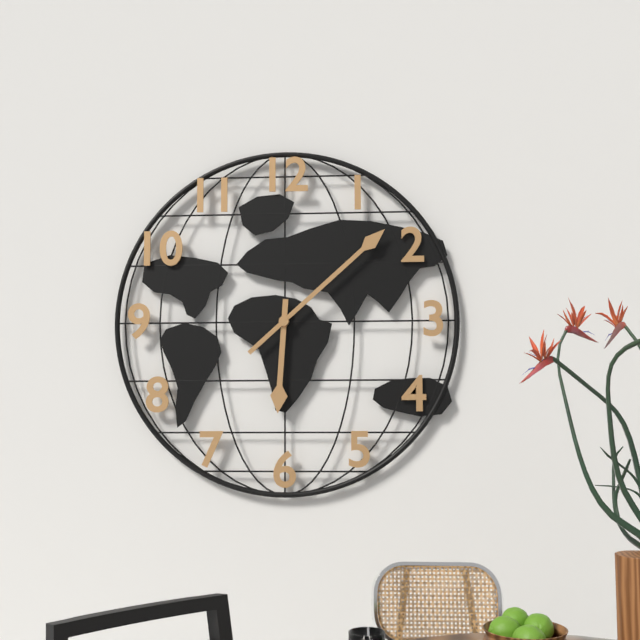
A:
6,08
